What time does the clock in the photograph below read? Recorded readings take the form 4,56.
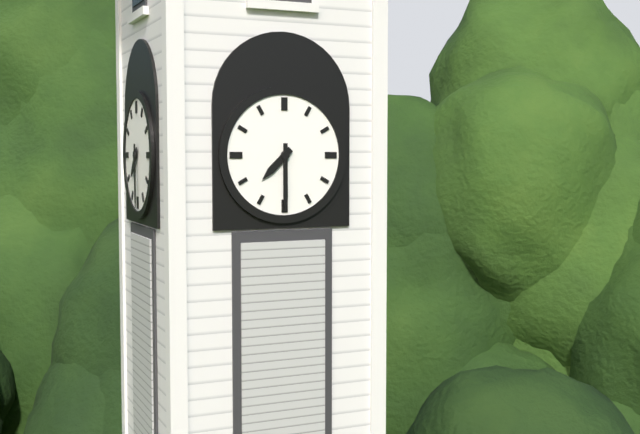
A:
7,30
